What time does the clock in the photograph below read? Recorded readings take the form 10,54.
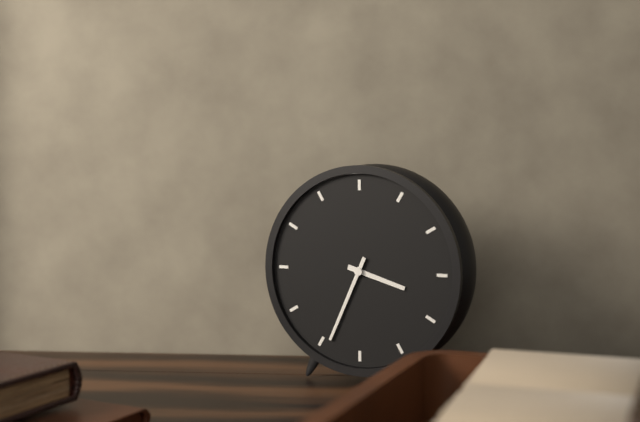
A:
3,34
